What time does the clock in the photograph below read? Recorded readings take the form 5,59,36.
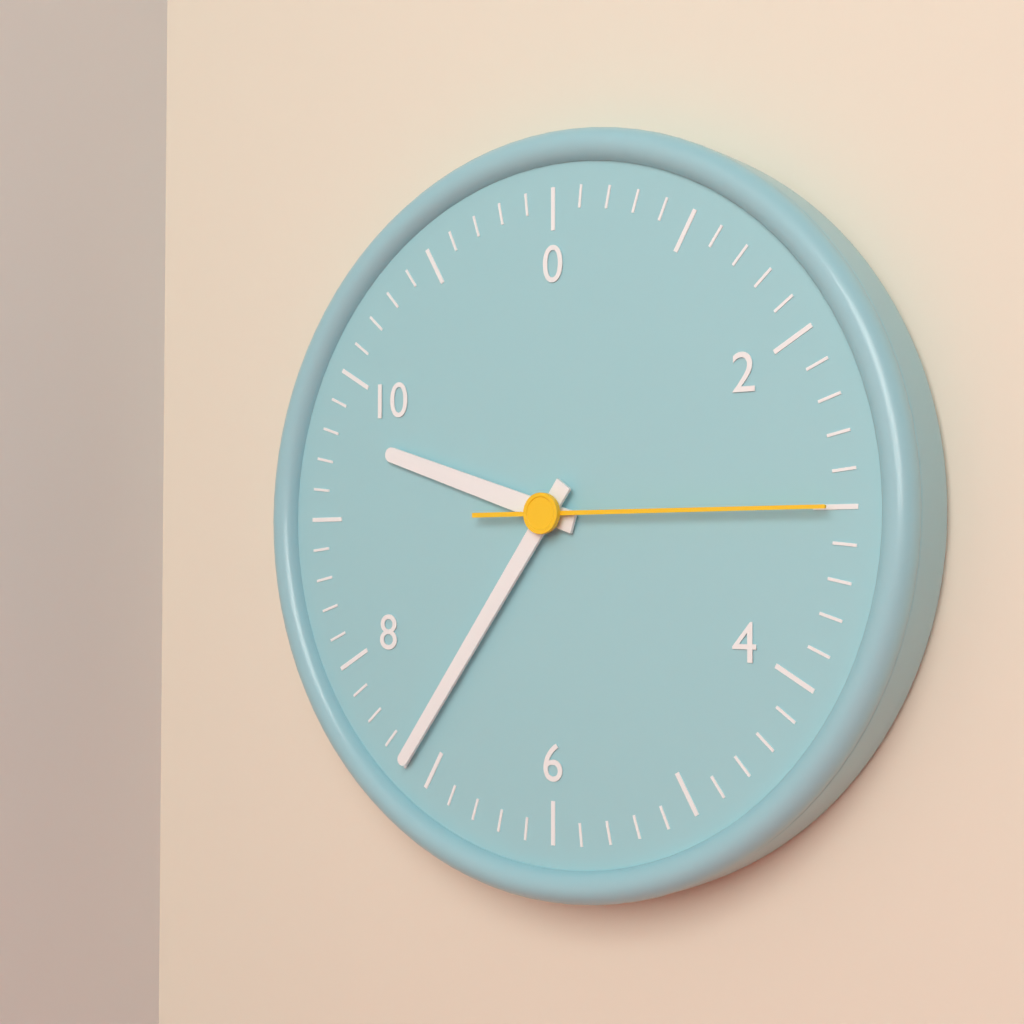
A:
9,36,15
